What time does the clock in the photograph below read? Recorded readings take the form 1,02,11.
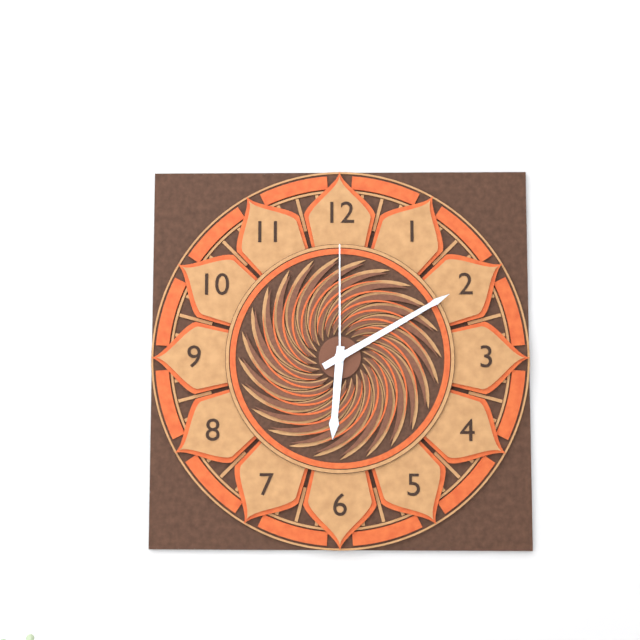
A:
6,10,00
